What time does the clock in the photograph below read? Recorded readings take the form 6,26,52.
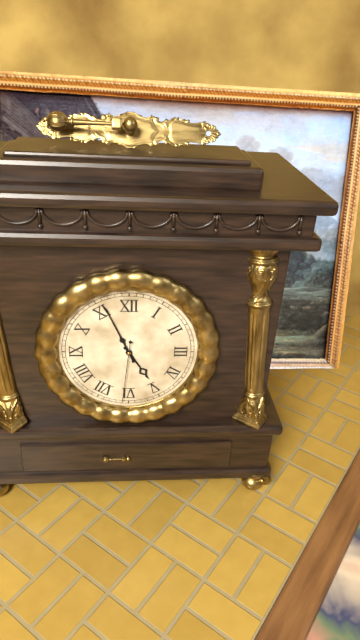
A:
4,56,31
